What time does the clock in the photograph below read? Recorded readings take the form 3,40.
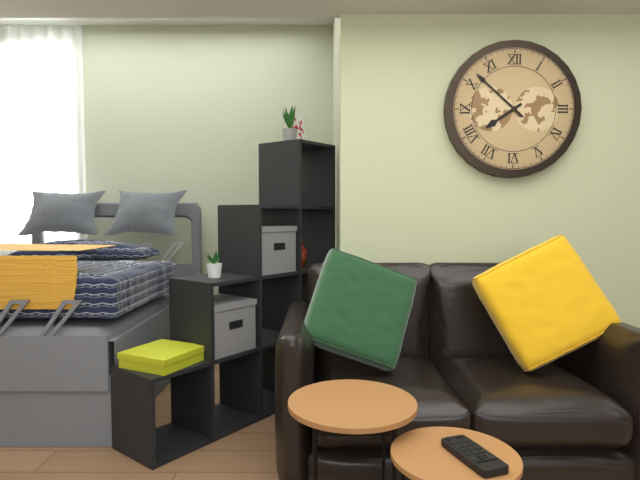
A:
7,52
